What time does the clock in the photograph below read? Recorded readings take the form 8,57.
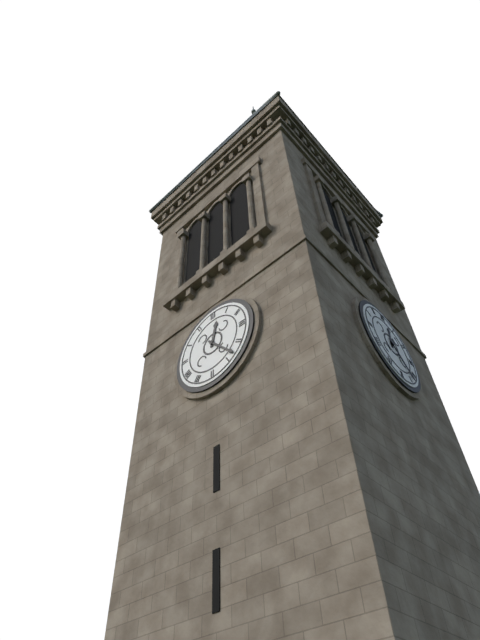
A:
12,23
